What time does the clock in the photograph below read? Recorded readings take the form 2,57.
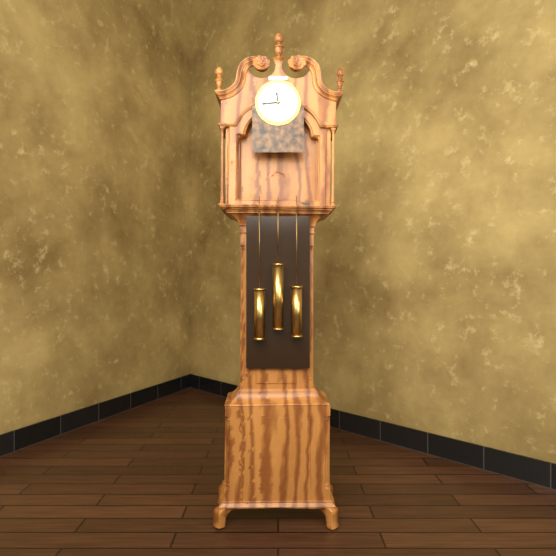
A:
11,44
